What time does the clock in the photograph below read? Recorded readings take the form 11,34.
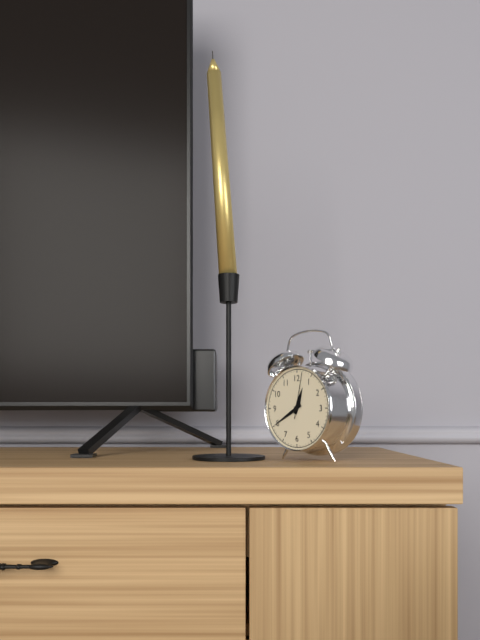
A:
12,40
